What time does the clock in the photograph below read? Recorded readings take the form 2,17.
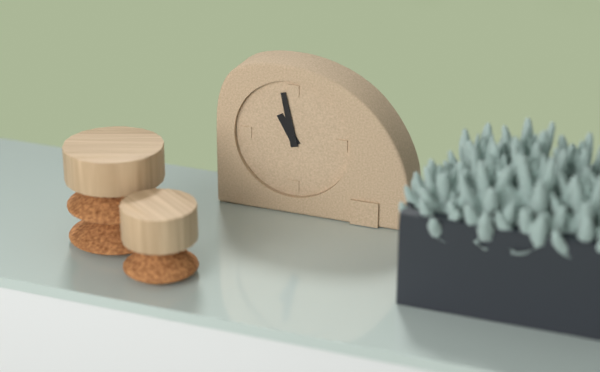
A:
10,58
